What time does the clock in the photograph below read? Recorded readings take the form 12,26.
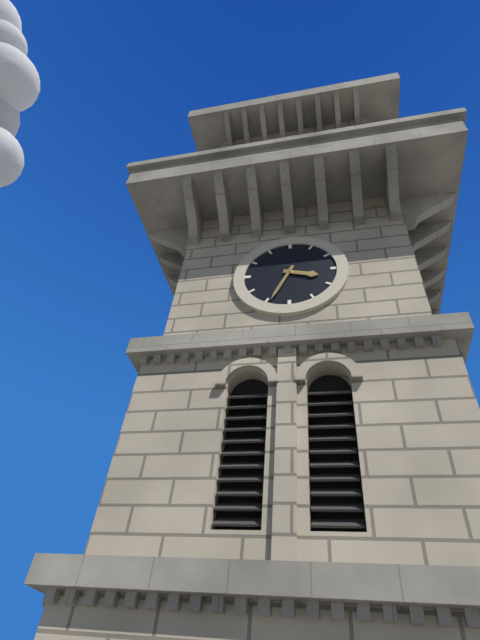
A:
3,34
